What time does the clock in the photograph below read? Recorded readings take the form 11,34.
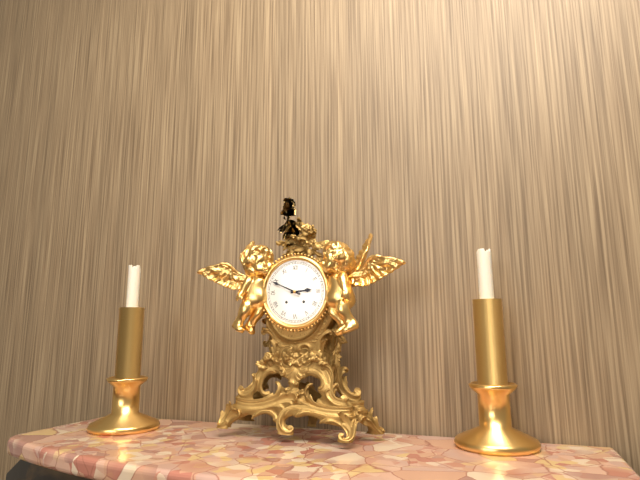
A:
2,49
